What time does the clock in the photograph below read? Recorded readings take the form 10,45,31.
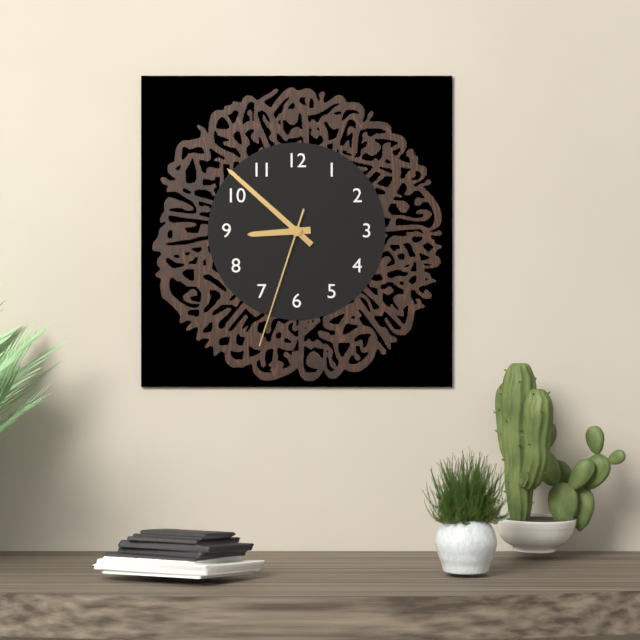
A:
8,52,33
